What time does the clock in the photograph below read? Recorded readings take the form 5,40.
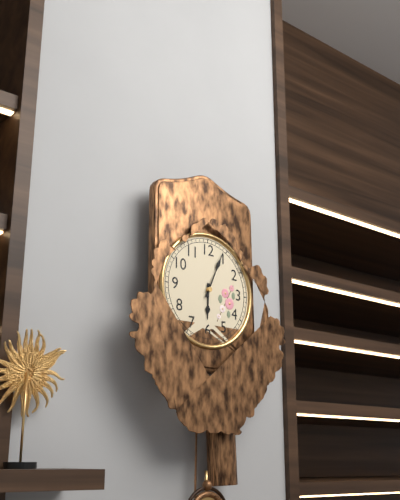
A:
6,04
